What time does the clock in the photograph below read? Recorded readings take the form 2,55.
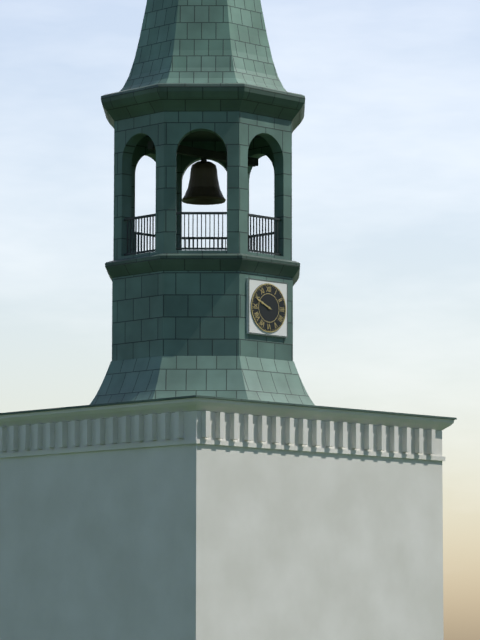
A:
9,49
